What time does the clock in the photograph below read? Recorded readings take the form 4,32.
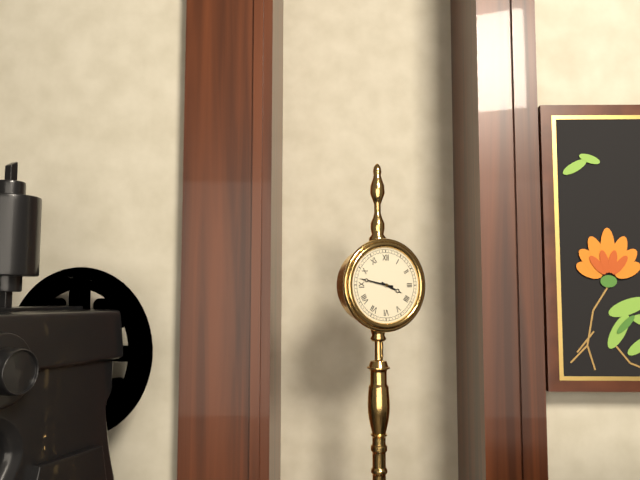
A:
3,47
